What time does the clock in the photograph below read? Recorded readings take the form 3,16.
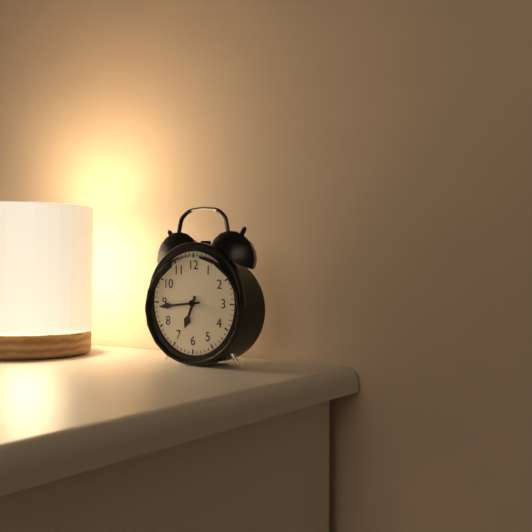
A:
6,44
